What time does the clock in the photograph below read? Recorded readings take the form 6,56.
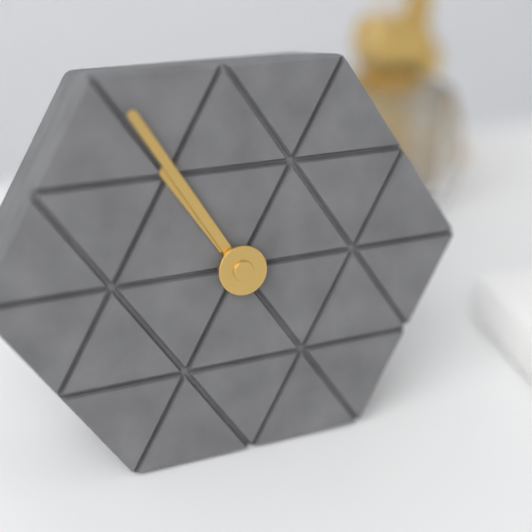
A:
10,55
